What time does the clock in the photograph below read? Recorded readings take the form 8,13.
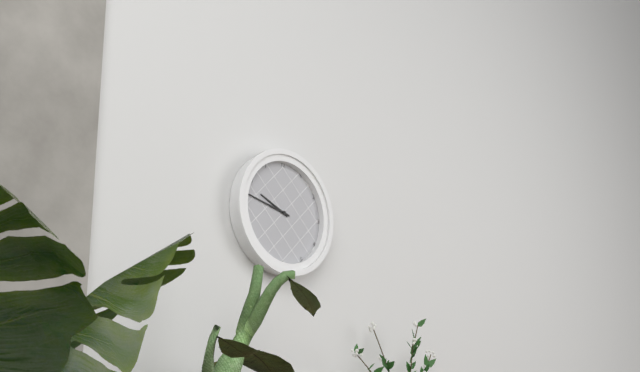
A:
9,47
